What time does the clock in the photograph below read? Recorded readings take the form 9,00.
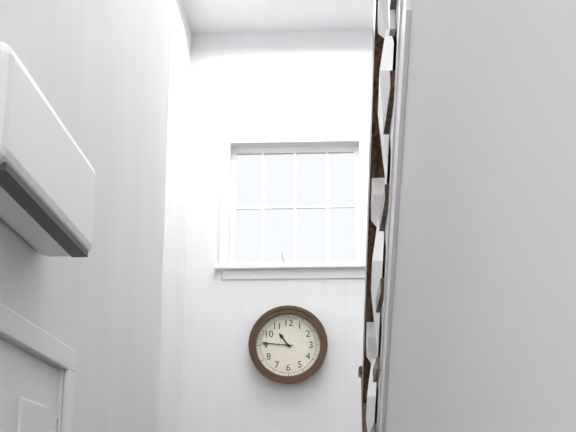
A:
10,46
